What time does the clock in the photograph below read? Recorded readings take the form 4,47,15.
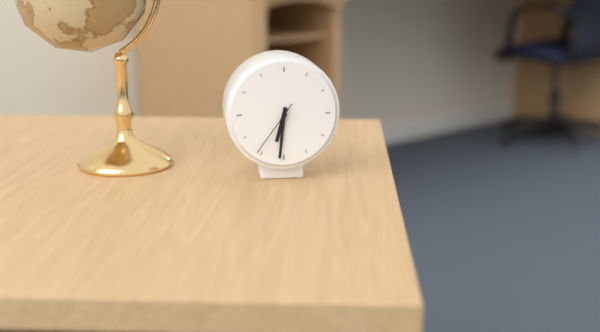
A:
6,31,36
